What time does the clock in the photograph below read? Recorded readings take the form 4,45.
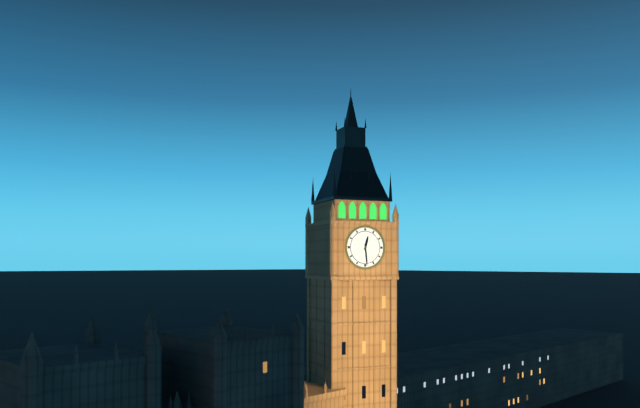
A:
12,29
